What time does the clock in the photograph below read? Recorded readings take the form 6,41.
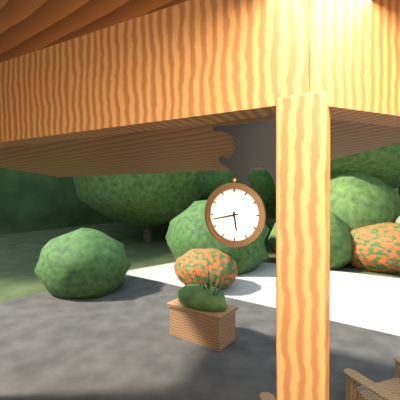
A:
5,43
